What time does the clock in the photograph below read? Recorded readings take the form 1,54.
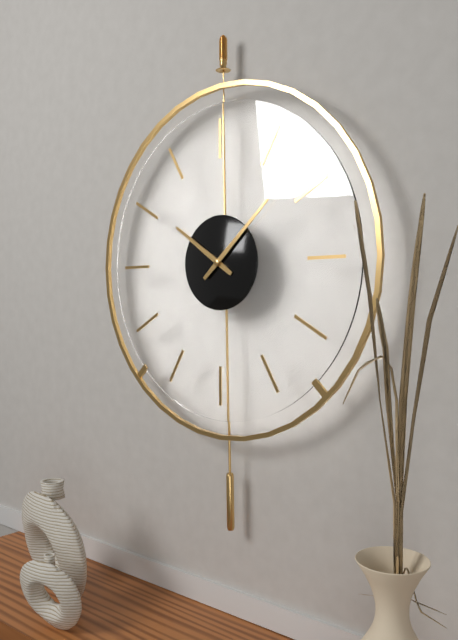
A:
10,08
